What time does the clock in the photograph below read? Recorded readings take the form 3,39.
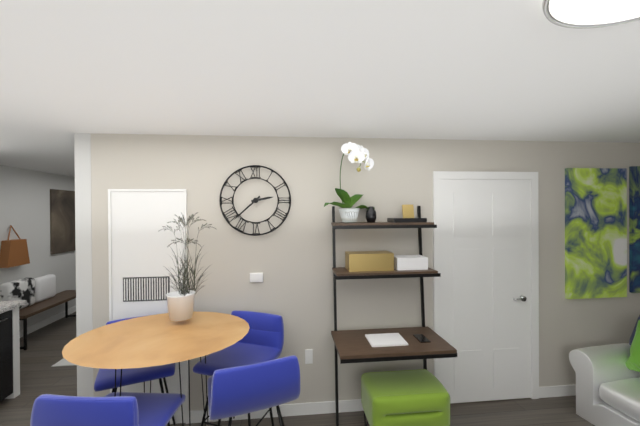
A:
2,38
